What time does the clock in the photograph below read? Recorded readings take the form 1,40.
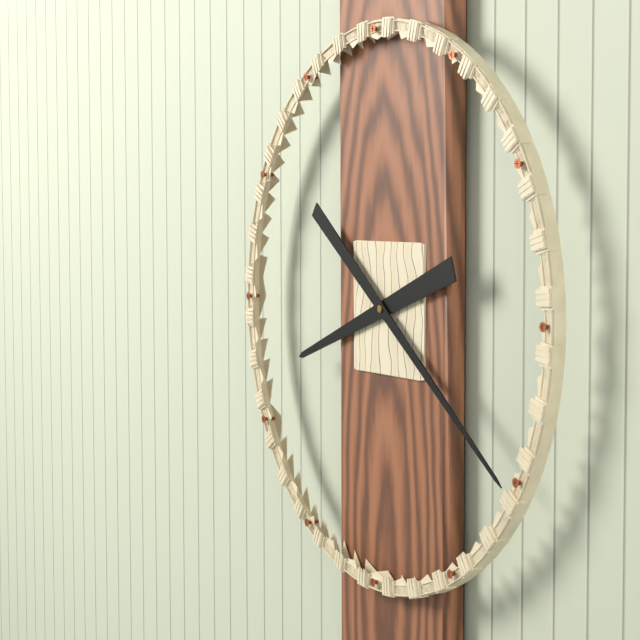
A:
8,21
